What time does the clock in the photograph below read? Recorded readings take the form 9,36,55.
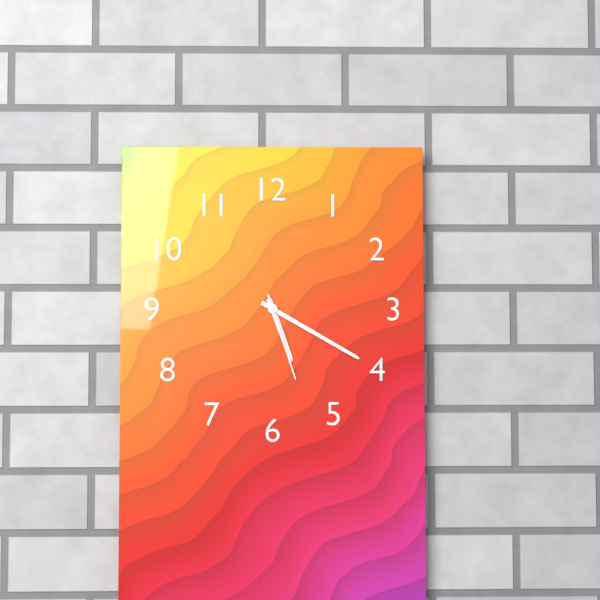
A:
5,20,27
